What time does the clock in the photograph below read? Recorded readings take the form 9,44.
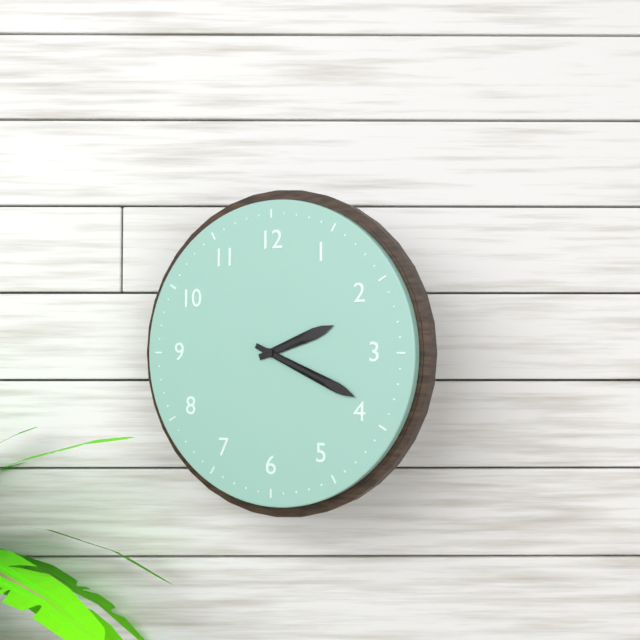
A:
2,19
